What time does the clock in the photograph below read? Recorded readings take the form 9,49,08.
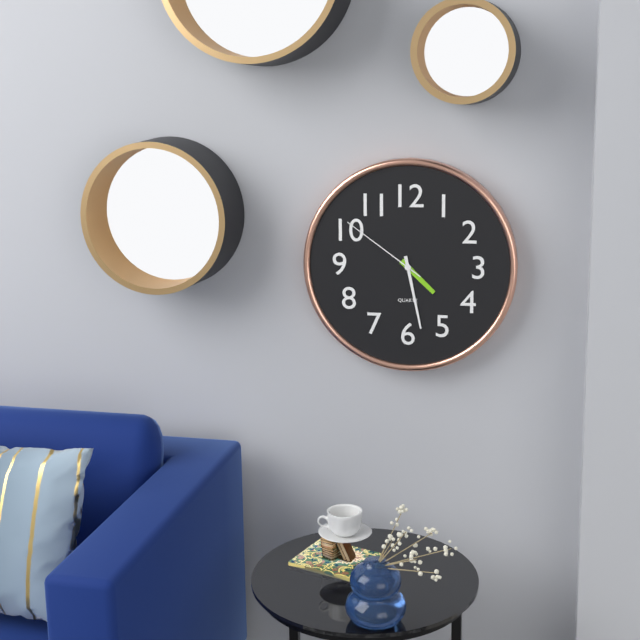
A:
4,28,51
